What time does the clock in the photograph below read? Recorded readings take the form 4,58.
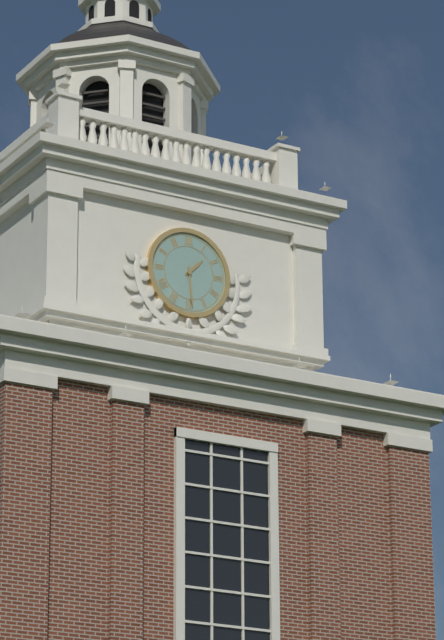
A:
1,29
